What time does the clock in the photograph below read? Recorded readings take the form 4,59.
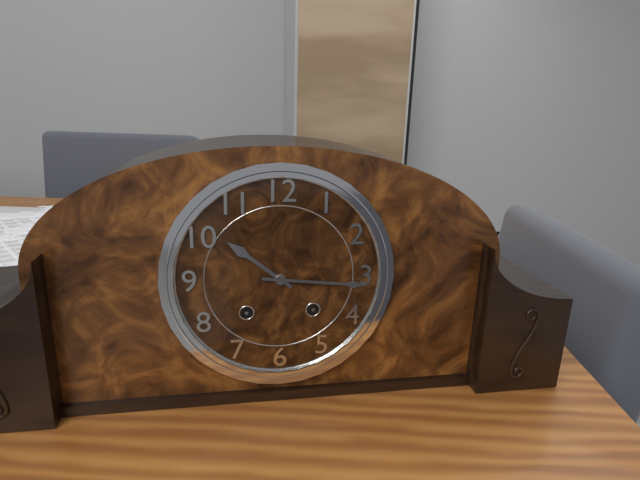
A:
10,16
